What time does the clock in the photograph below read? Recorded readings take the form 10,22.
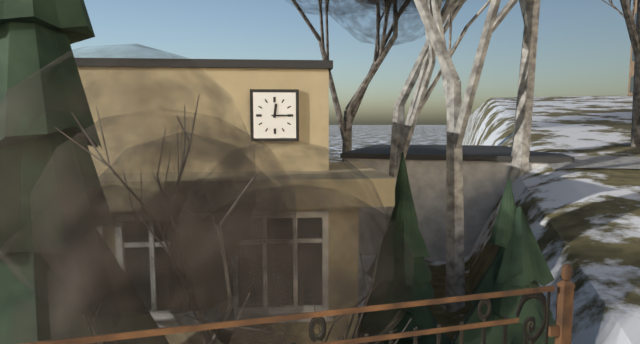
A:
12,15
